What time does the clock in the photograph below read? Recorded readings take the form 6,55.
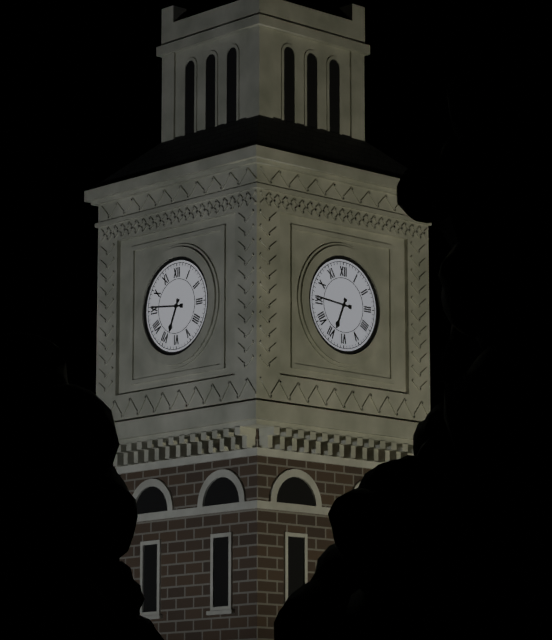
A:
6,46
